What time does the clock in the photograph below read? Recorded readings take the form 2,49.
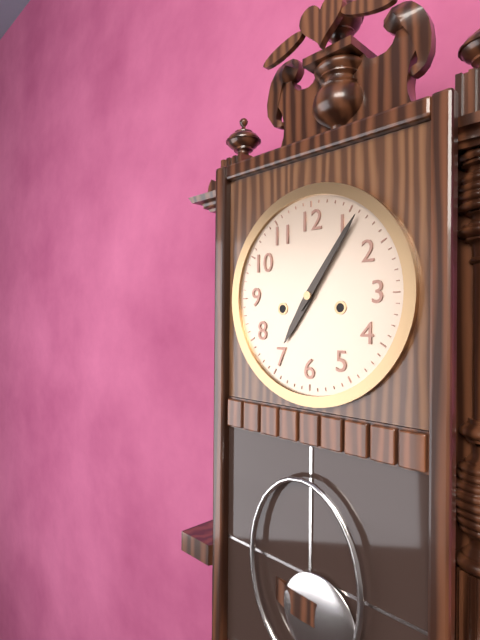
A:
7,06
